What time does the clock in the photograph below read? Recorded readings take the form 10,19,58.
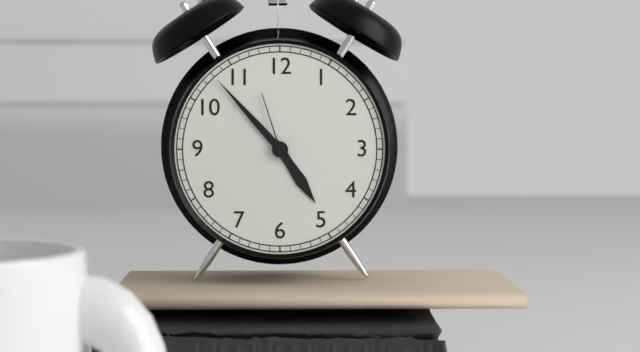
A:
4,53,57
